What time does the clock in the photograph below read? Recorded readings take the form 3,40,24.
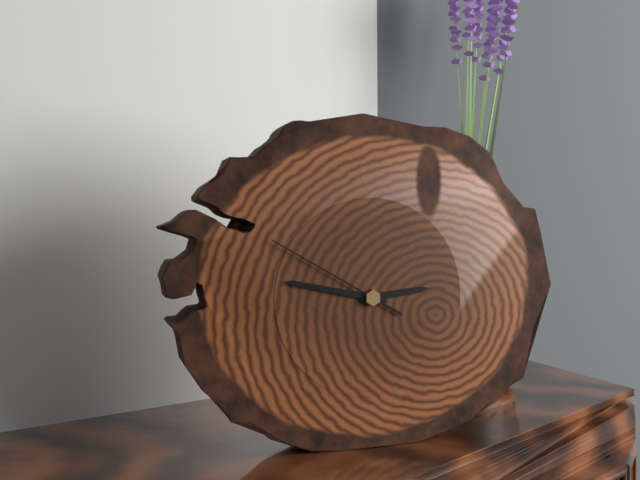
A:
2,47,50
